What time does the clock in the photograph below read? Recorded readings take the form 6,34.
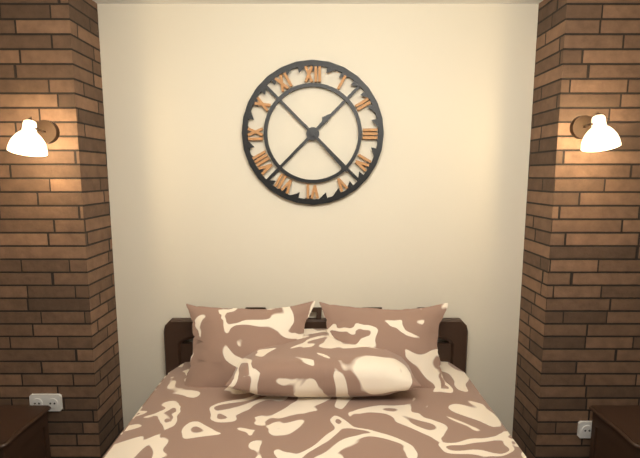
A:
1,23
